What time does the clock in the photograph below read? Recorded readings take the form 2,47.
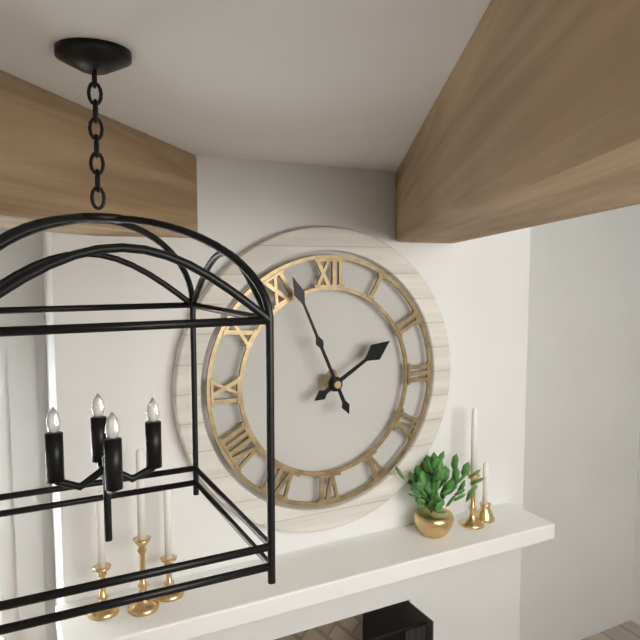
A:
1,56
